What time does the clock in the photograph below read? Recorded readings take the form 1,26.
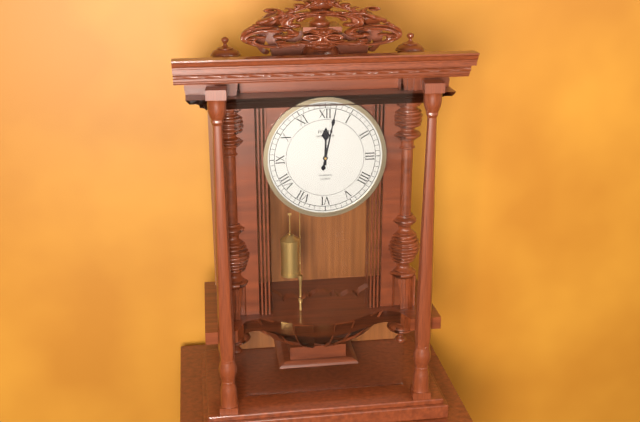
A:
12,02
